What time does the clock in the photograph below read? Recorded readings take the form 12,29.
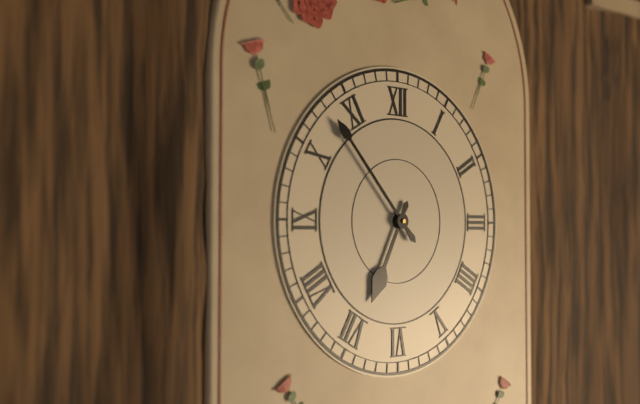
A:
6,53
